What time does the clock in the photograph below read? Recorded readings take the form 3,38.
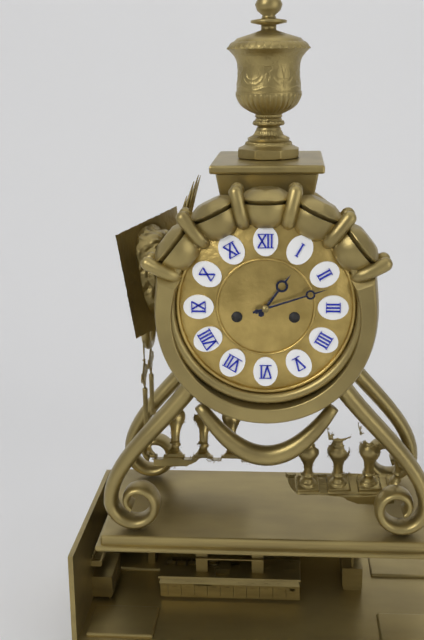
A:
1,12
